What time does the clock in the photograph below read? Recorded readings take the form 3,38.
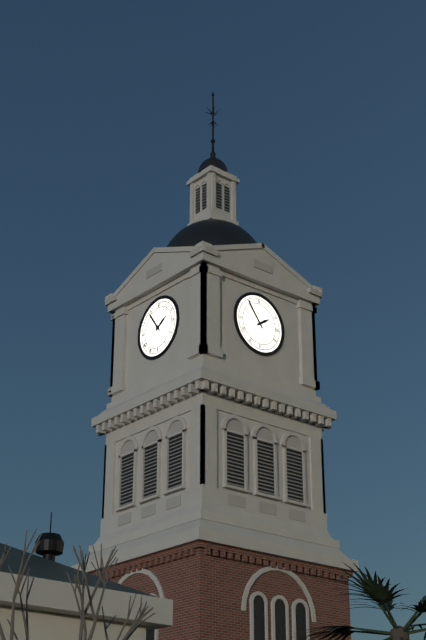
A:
1,54
